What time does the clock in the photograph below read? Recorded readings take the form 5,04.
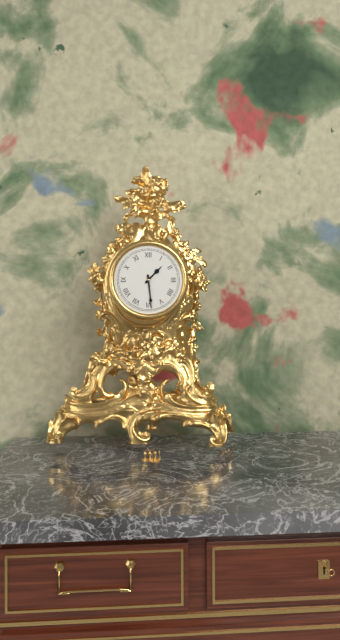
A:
1,29
